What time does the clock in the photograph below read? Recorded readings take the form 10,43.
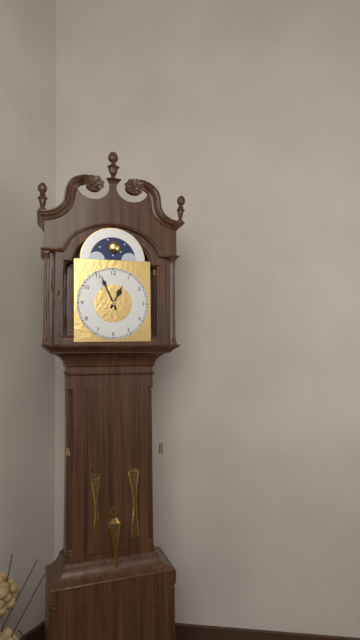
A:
12,56
